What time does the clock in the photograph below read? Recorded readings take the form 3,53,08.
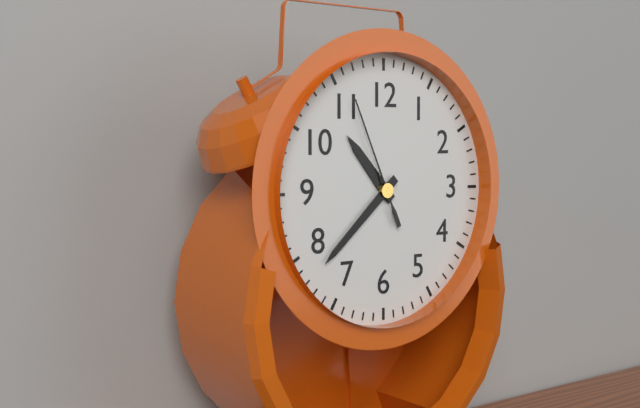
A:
10,38,56
